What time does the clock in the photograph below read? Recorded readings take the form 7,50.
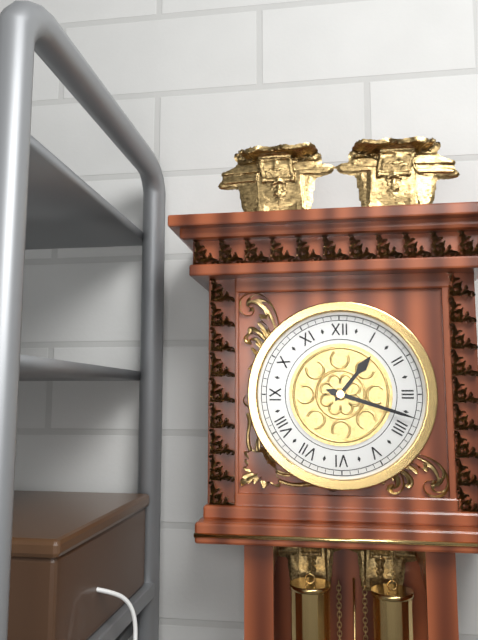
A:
1,18
